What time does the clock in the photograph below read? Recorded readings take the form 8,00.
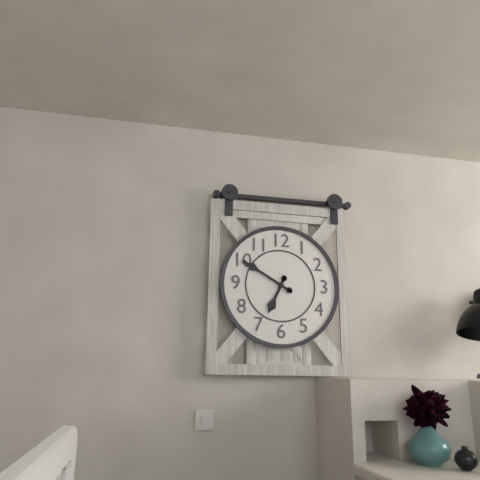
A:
6,50
